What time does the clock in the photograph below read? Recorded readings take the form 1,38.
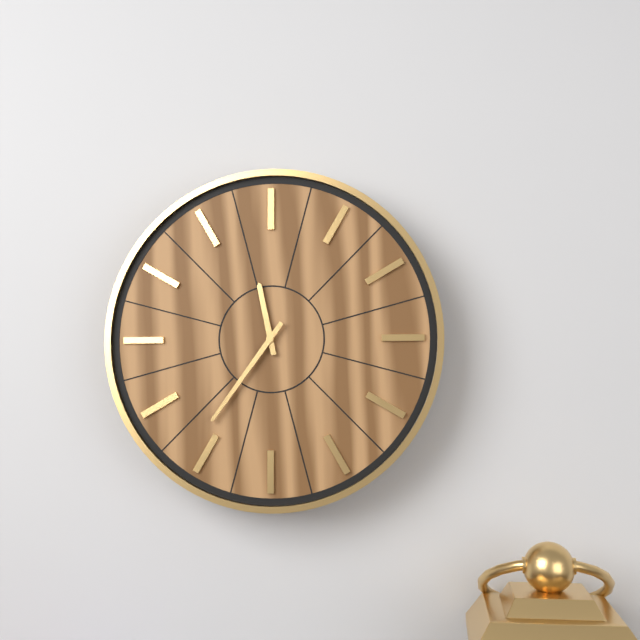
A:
11,36
